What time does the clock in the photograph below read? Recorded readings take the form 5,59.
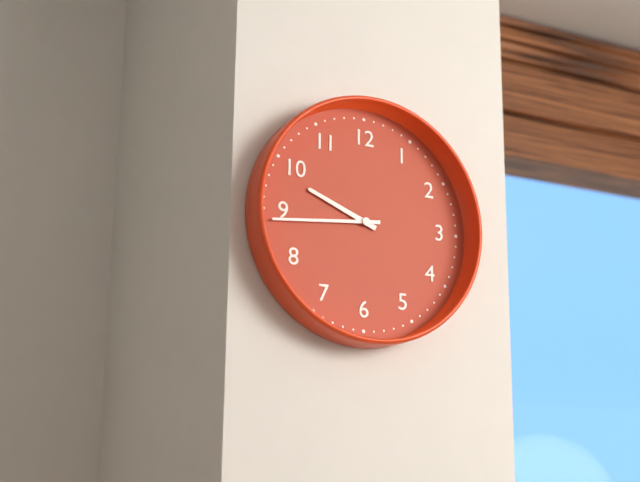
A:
9,44
